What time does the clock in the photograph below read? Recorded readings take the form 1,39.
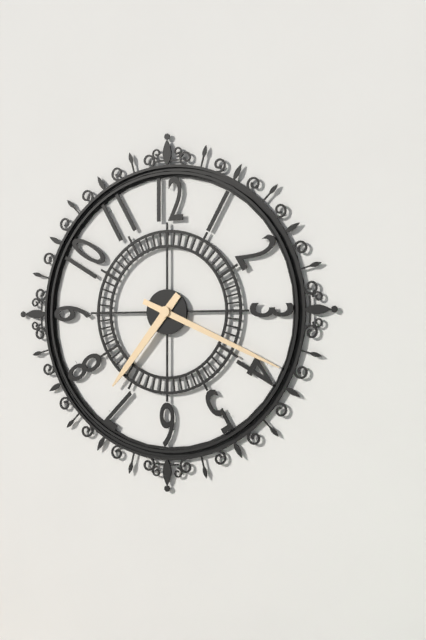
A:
7,19
